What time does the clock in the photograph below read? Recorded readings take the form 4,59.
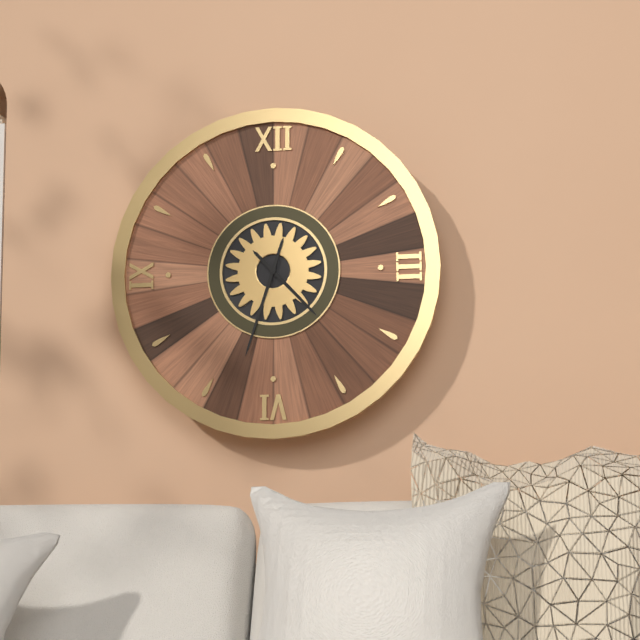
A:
4,33
